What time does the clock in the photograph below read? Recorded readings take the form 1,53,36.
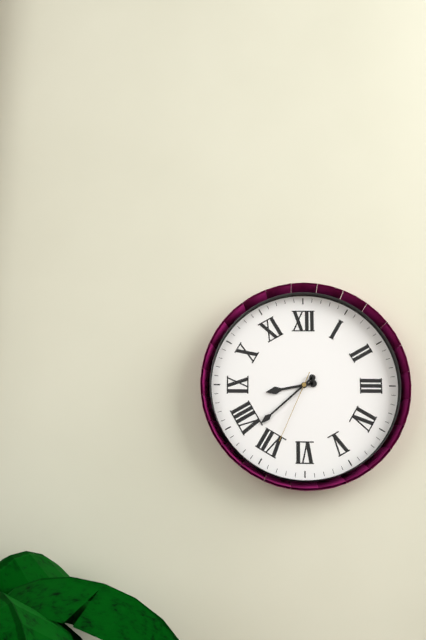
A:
8,38,34
